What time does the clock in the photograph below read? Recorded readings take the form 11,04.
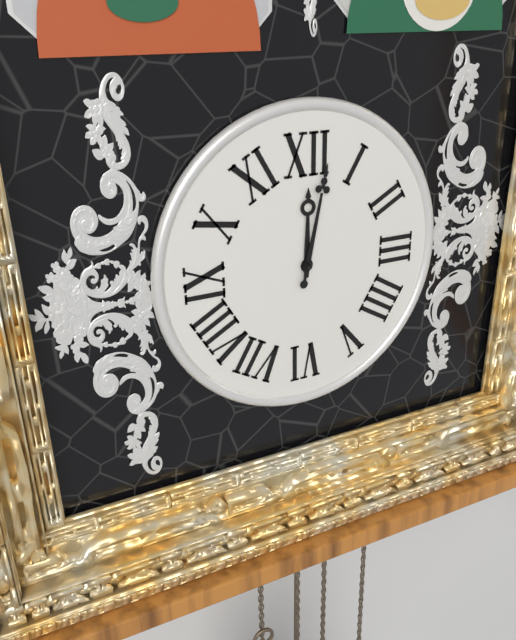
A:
12,02
